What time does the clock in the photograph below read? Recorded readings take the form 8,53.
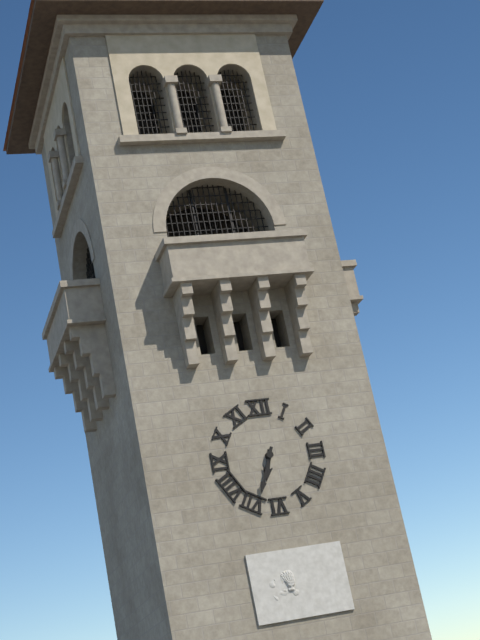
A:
6,34
